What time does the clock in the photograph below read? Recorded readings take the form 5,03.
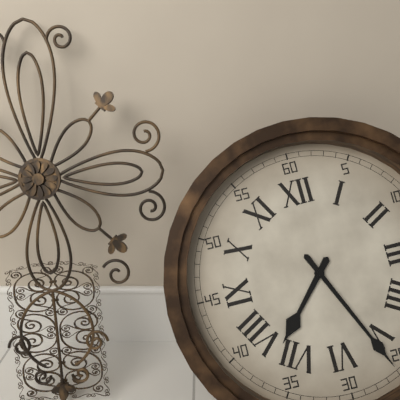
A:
7,26
